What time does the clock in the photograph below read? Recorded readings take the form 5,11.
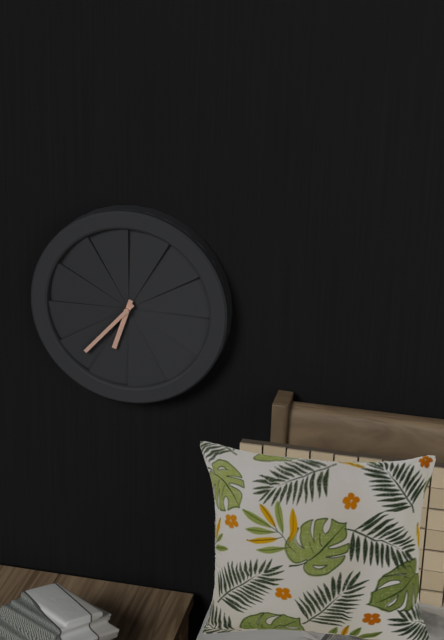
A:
6,37
